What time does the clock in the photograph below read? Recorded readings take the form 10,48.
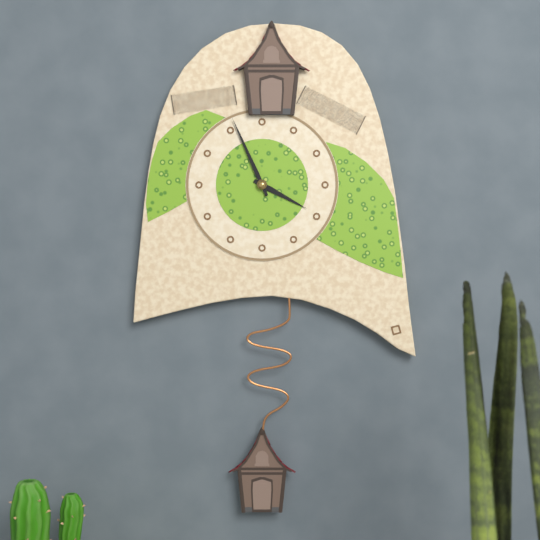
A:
3,56
